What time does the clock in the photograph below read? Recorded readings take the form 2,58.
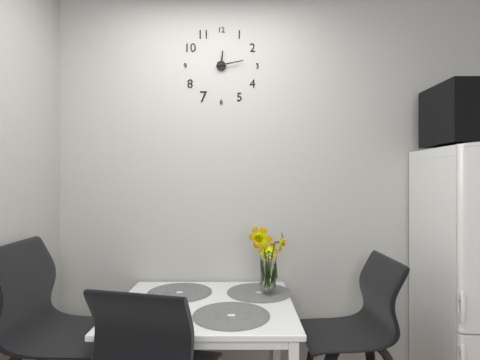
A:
12,13
